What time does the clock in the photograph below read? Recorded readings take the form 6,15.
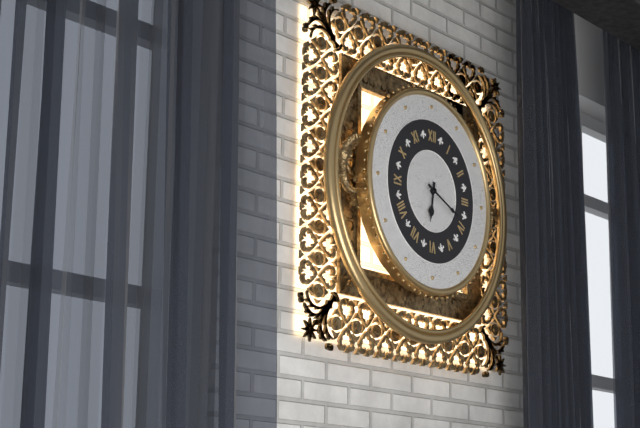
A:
6,19
